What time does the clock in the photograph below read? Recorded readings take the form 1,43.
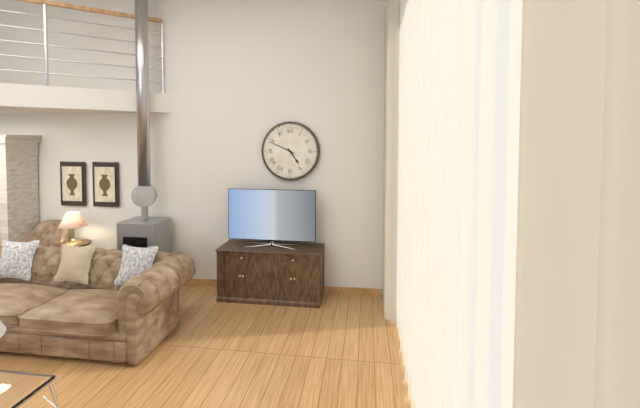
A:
4,49
